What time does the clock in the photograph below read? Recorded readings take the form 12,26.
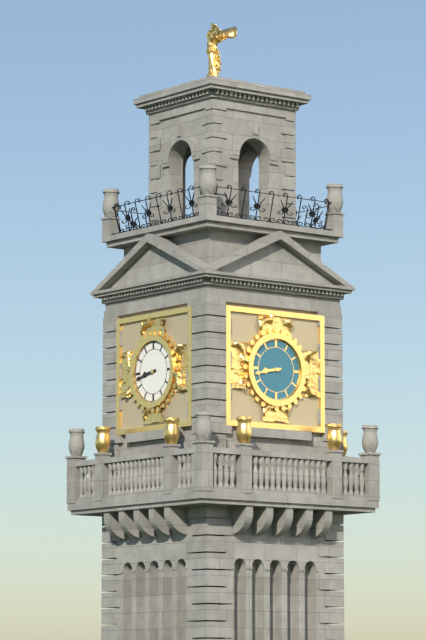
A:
8,43
